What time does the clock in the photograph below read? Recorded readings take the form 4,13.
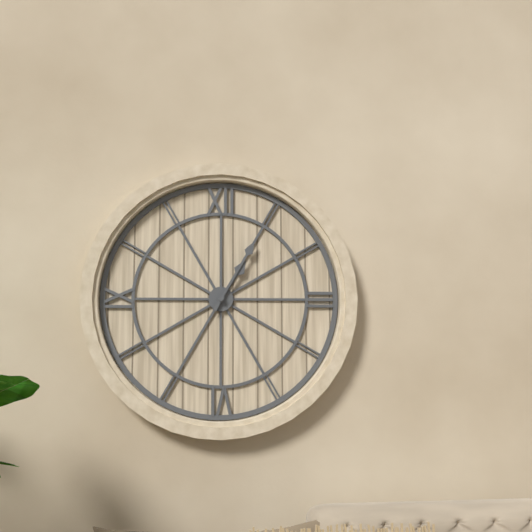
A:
1,05
